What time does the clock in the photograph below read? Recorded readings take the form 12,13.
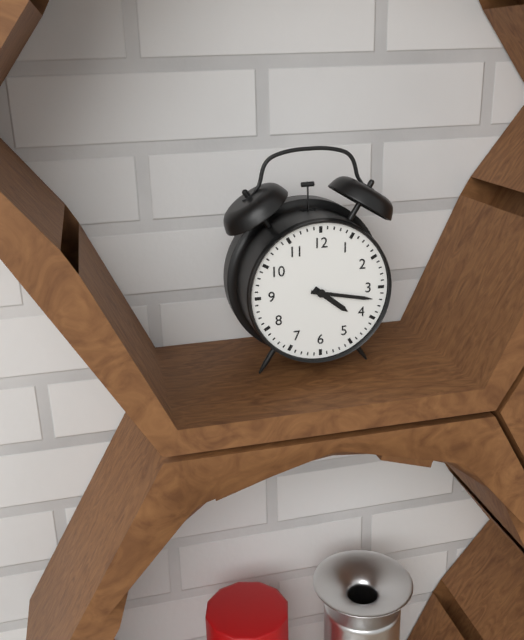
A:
4,17
